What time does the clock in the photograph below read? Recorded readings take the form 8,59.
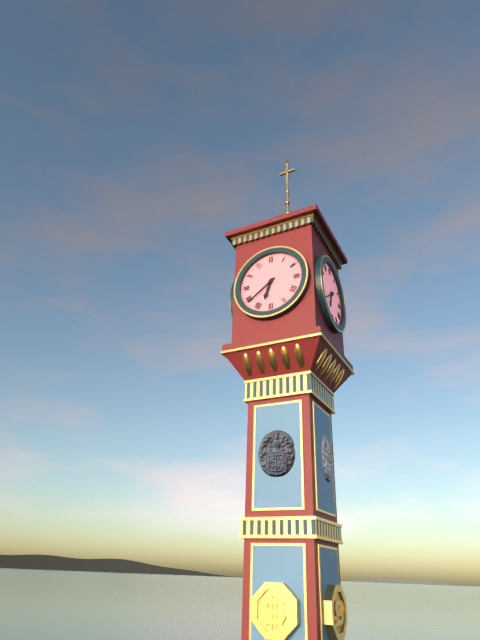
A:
6,39
